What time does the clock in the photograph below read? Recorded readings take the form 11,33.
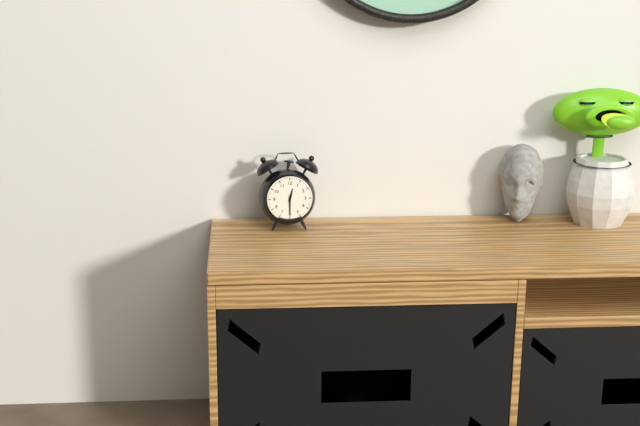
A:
12,30
